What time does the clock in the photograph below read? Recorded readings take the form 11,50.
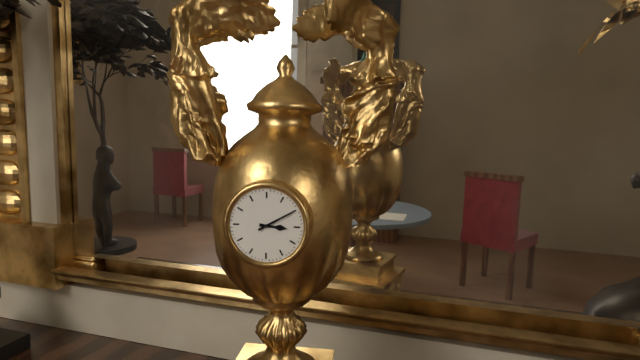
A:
3,10
